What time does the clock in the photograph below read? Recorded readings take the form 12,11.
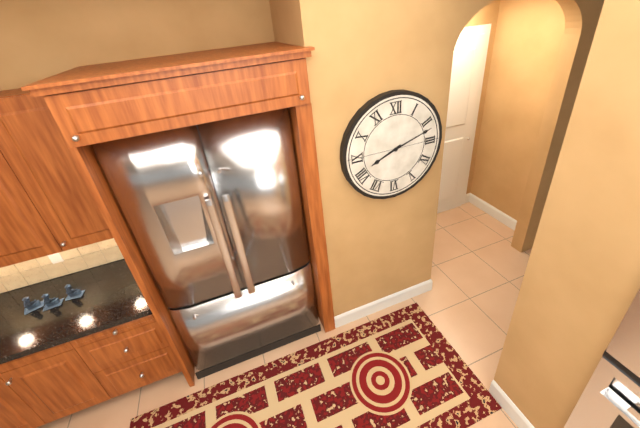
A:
8,12
